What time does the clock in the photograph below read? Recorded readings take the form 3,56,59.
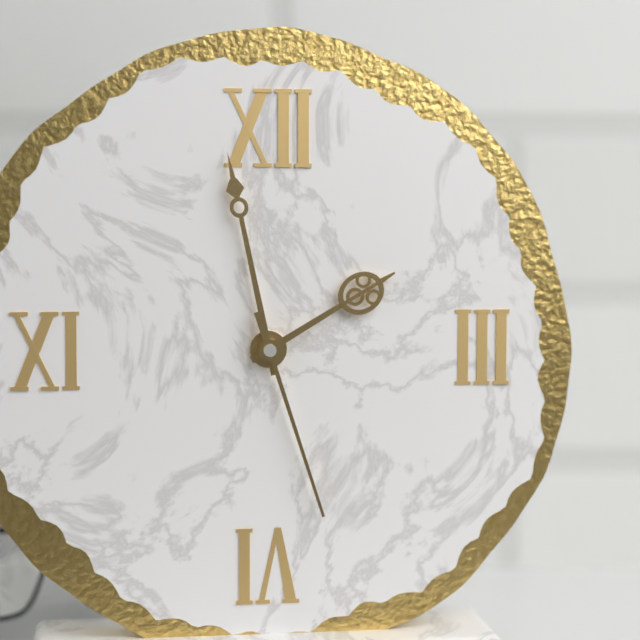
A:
1,58,27
